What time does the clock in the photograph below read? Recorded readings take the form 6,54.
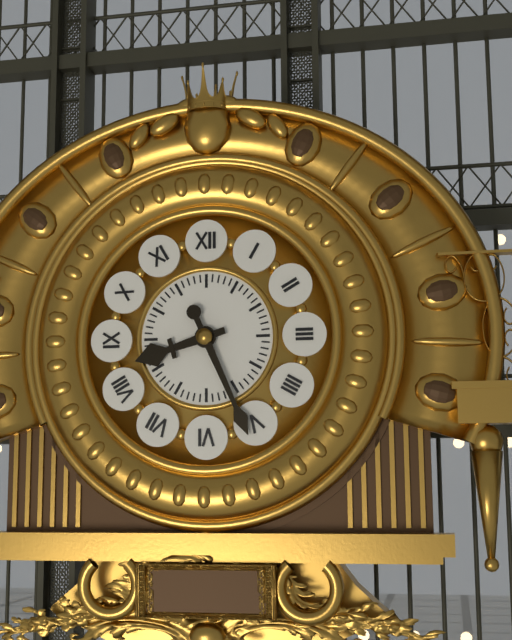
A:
8,26
